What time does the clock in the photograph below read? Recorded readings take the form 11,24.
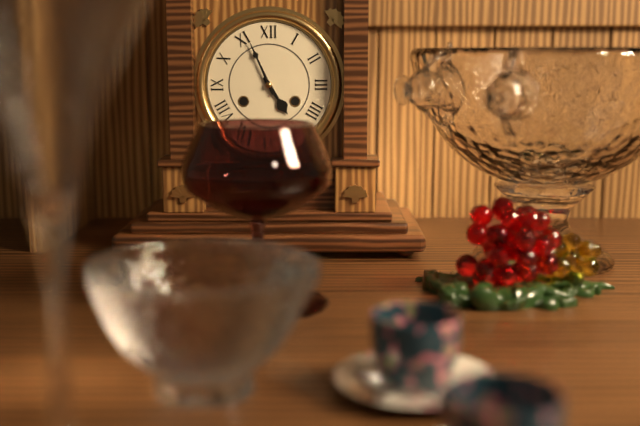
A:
4,56
